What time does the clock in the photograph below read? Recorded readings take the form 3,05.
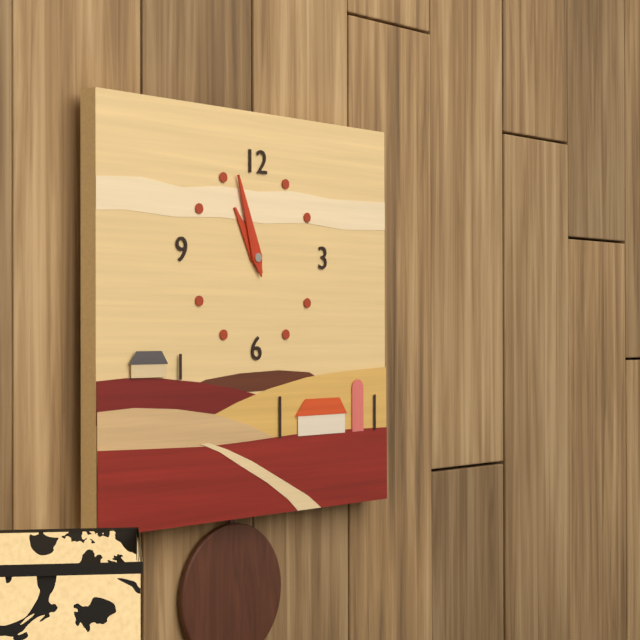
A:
10,57
